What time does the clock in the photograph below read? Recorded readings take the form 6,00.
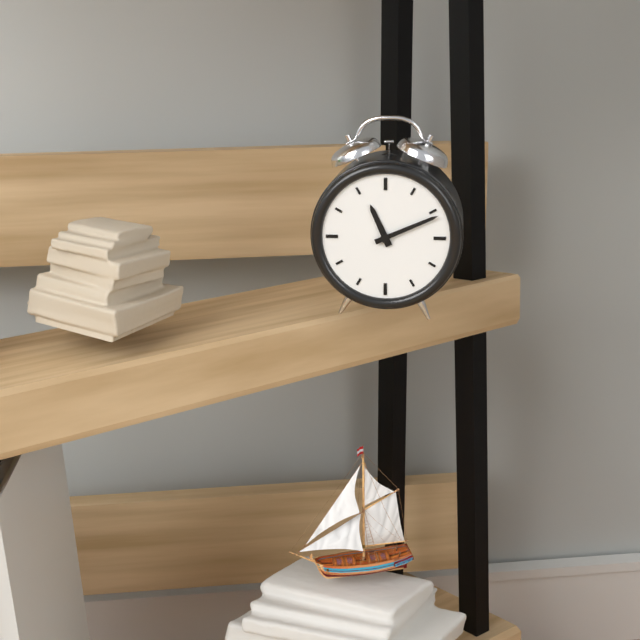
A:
11,11
